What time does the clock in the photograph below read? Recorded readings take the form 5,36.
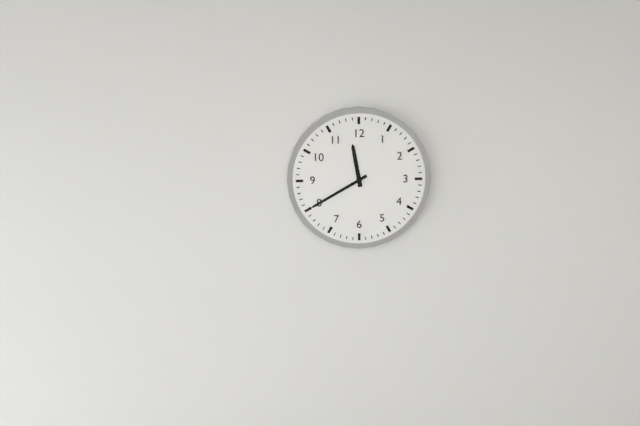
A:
11,40
